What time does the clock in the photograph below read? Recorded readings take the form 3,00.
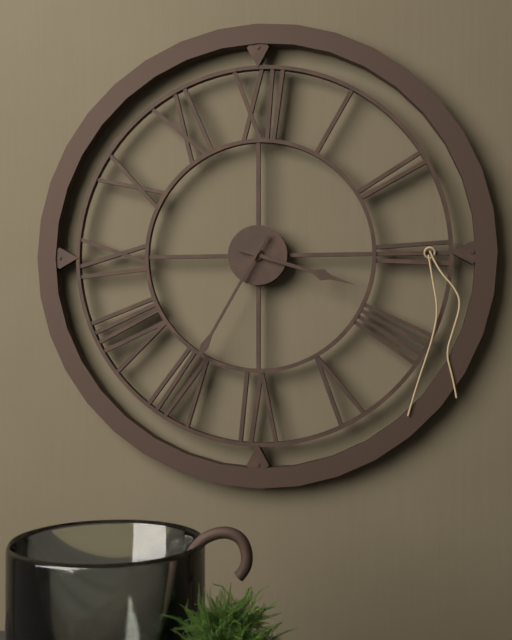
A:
3,35
